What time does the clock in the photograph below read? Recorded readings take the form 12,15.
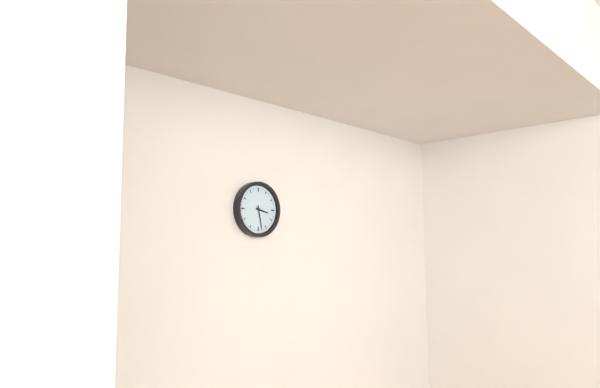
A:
3,28
